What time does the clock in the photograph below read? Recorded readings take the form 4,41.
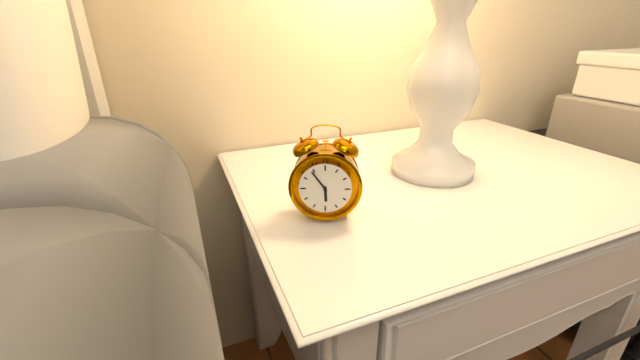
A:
5,54
